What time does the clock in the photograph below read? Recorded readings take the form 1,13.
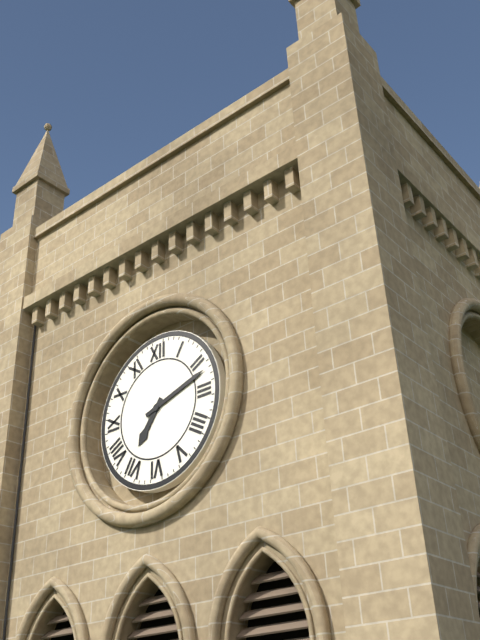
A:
7,12
